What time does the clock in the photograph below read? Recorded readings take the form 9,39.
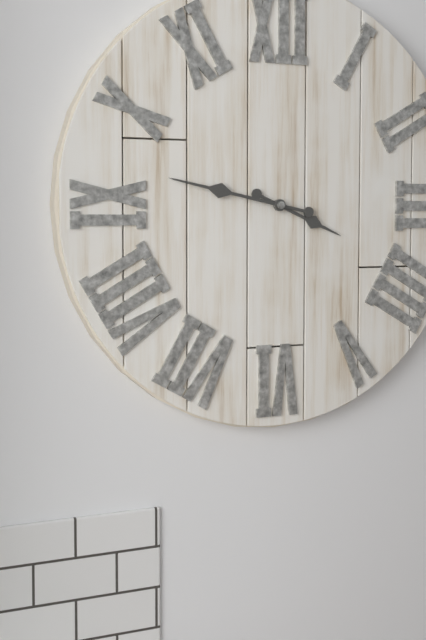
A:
3,47
